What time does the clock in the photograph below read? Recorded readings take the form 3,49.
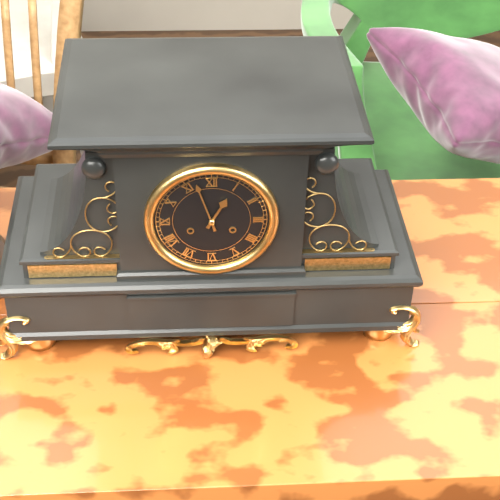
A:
12,57
